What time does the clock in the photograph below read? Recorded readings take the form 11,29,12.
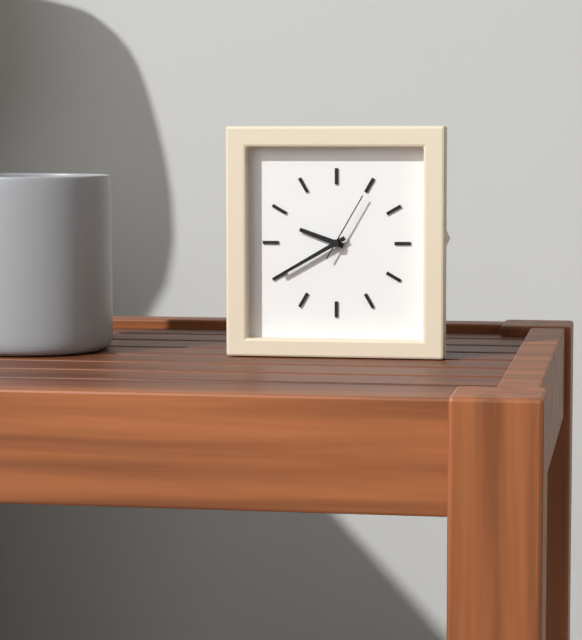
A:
9,40,05
